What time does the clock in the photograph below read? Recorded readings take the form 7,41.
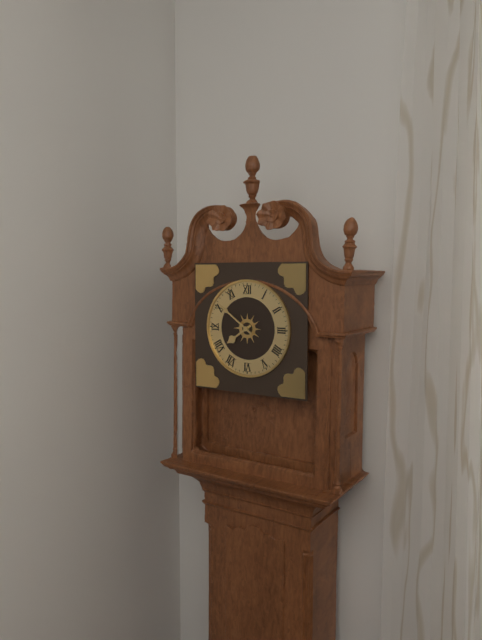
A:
7,51
